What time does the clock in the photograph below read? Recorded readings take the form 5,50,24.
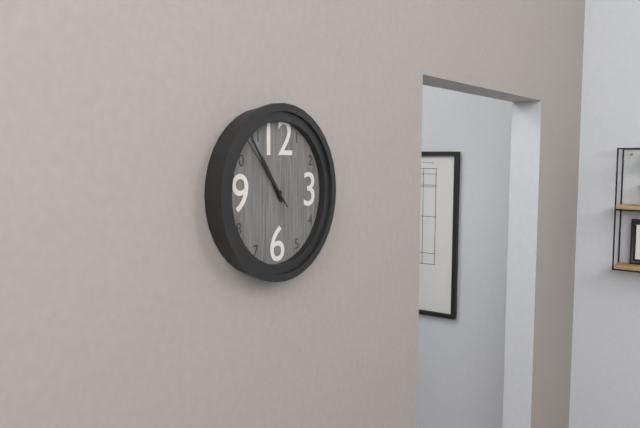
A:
10,54,53
